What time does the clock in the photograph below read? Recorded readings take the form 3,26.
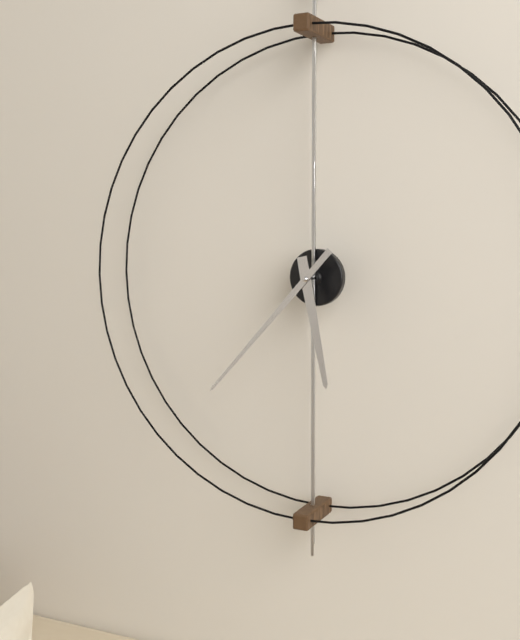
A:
5,37
